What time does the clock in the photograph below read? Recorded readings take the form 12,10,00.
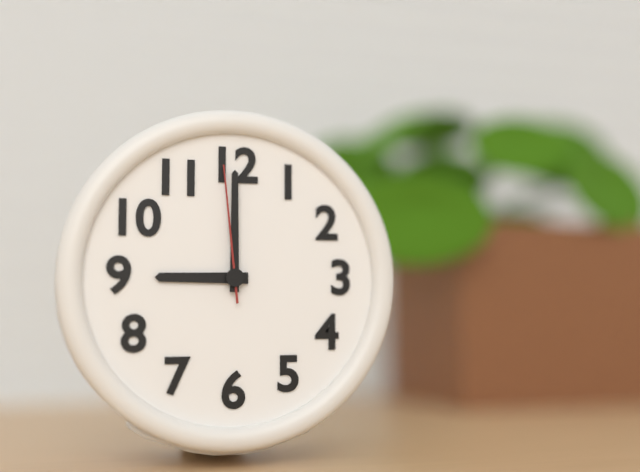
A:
9,00,59
